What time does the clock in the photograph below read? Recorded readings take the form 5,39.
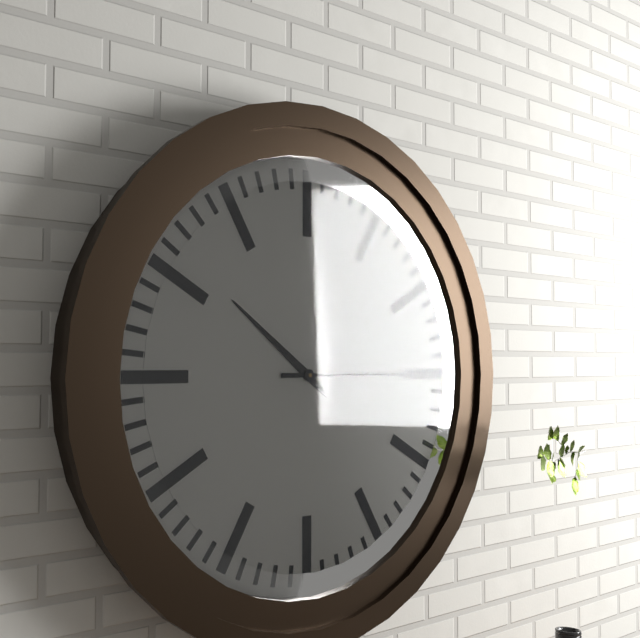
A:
10,15
